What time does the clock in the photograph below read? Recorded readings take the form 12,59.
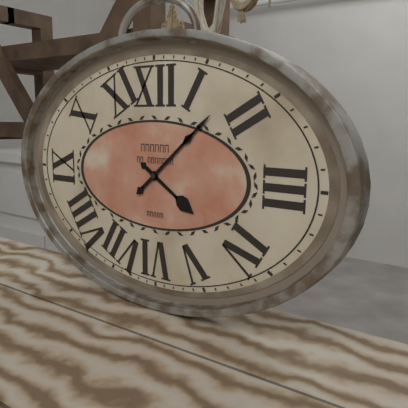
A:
4,08
